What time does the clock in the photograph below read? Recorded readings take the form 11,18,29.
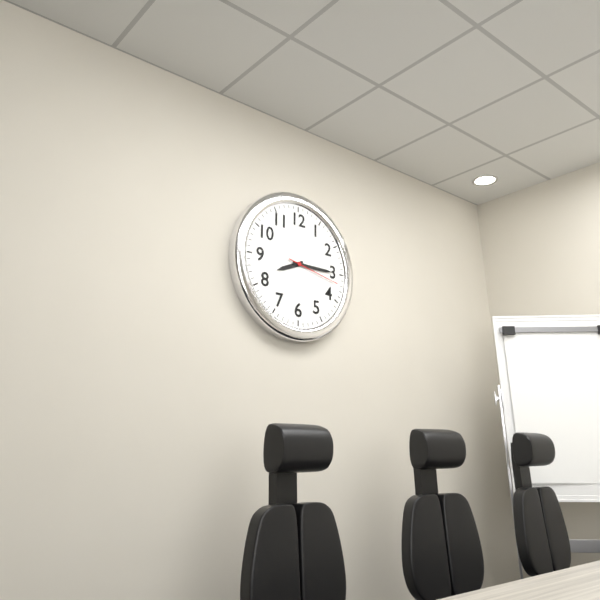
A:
8,15,17
